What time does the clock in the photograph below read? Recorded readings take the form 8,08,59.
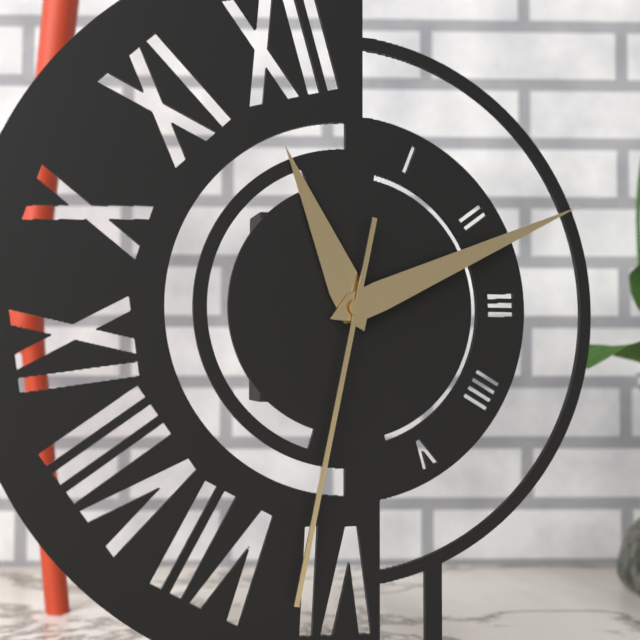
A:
11,11,32
